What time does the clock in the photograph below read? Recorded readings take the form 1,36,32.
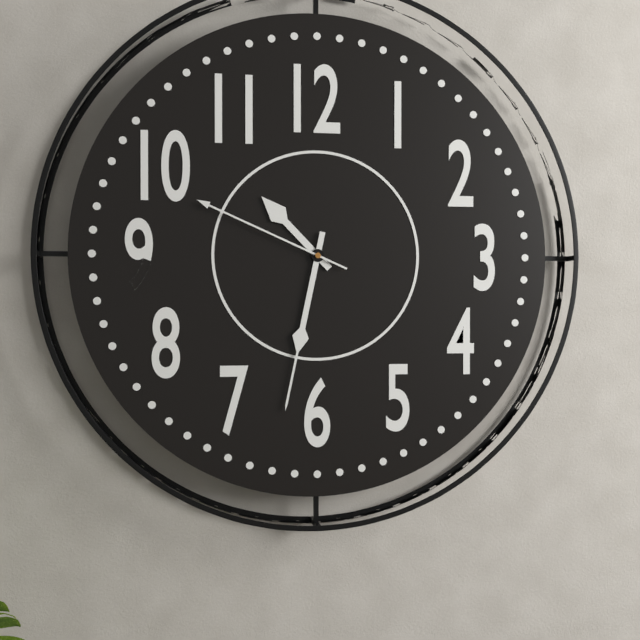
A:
10,32,49
